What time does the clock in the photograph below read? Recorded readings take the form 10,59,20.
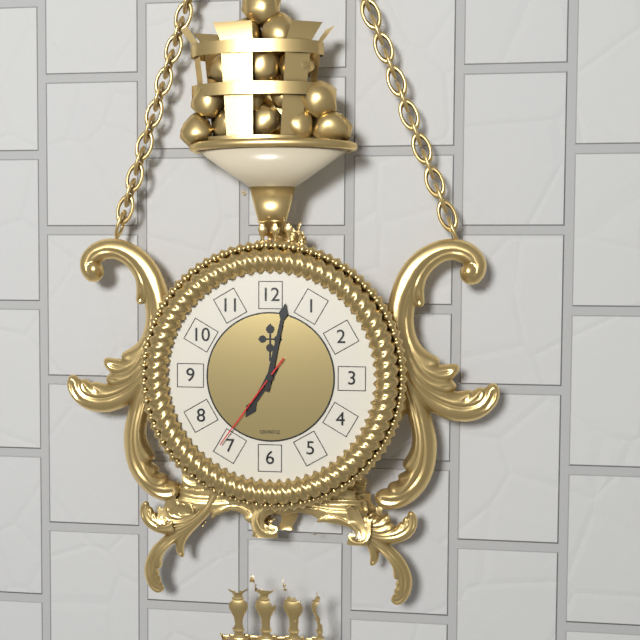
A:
7,02,36
